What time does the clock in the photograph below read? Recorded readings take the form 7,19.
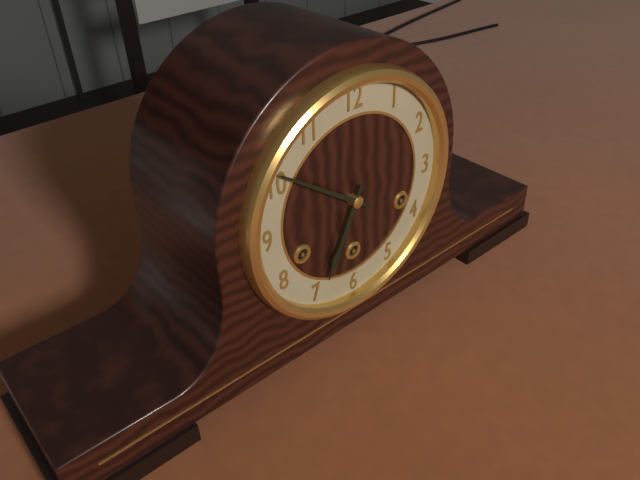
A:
6,51
